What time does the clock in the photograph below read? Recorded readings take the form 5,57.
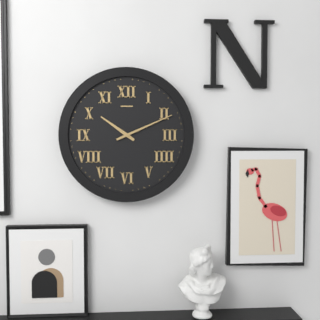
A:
10,11
